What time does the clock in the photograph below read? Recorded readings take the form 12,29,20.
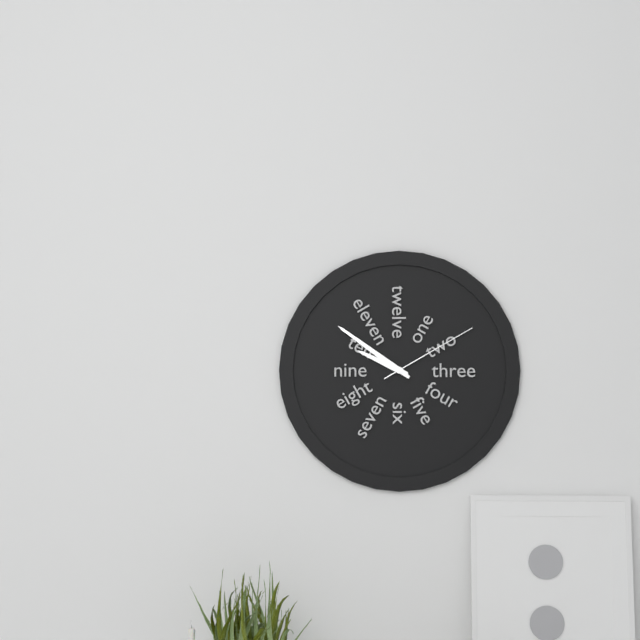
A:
9,51,10
